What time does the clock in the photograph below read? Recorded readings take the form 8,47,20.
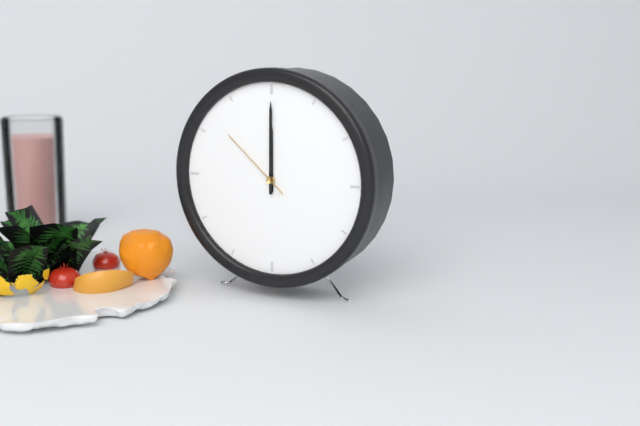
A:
12,00,52
